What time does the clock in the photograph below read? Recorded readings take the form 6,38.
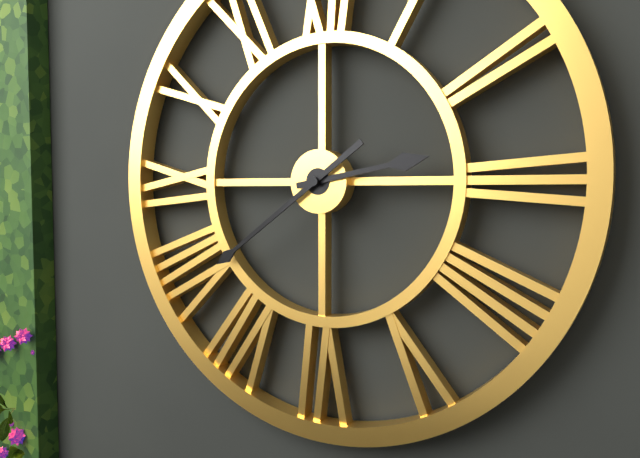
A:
2,39
